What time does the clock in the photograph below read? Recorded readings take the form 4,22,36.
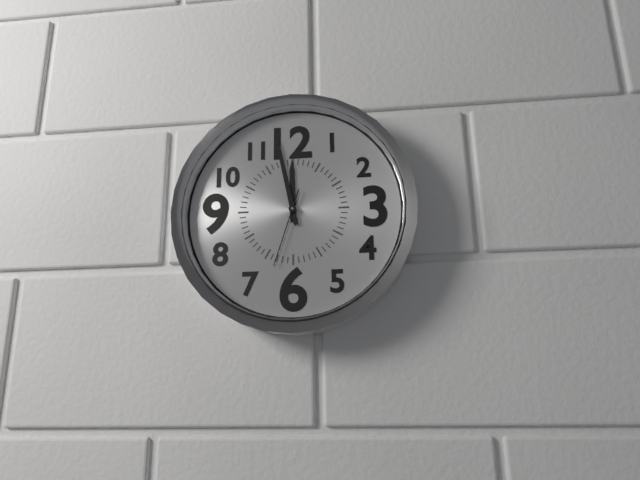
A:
11,58,33
